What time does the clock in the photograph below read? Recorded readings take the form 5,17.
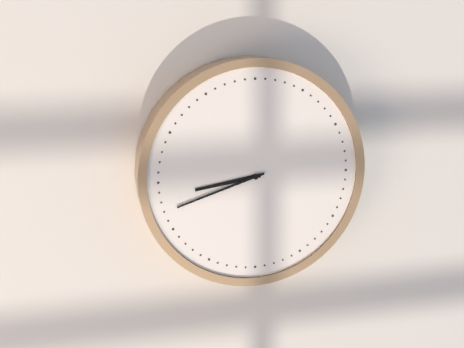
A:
8,42
